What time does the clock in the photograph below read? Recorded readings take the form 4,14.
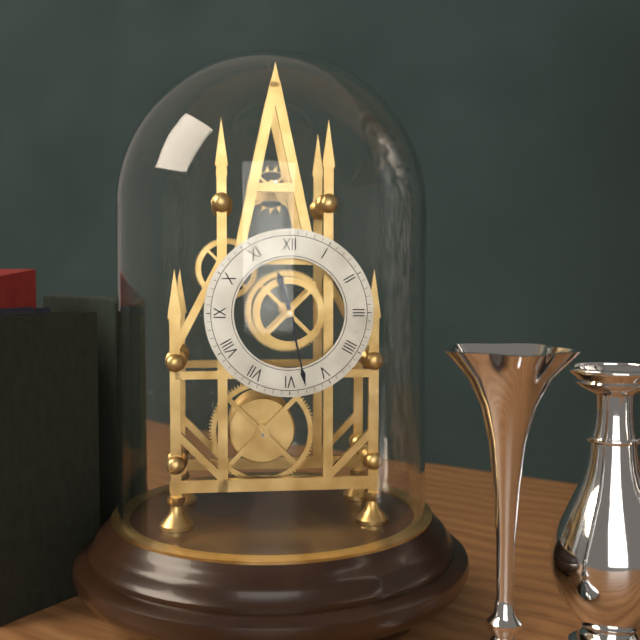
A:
11,28
